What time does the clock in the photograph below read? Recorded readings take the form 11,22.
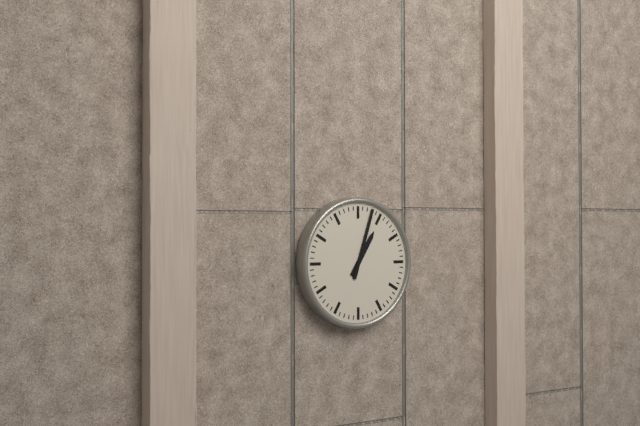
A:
1,03
